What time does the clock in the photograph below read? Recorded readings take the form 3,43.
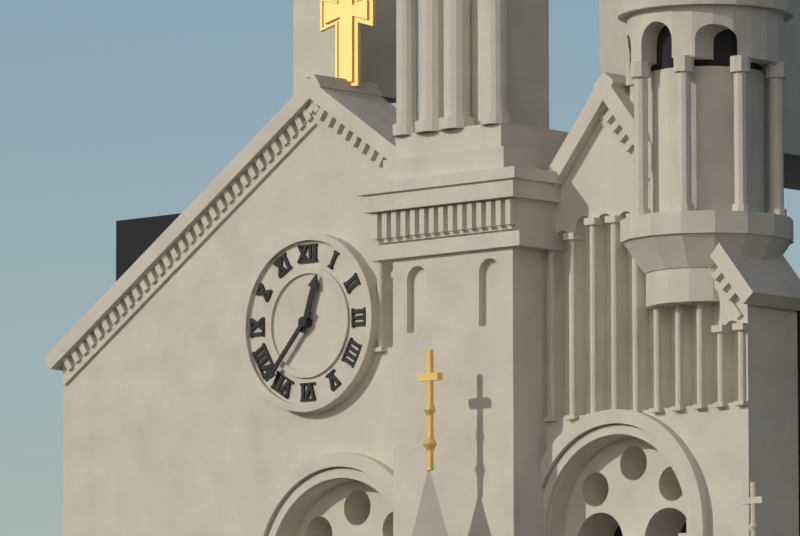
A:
12,37
